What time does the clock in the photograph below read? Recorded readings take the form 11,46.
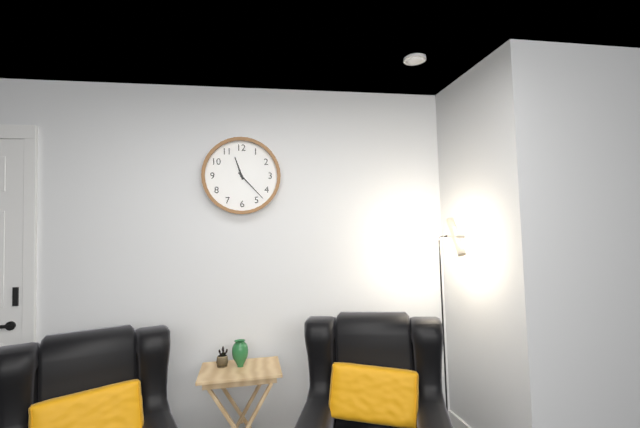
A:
11,23
